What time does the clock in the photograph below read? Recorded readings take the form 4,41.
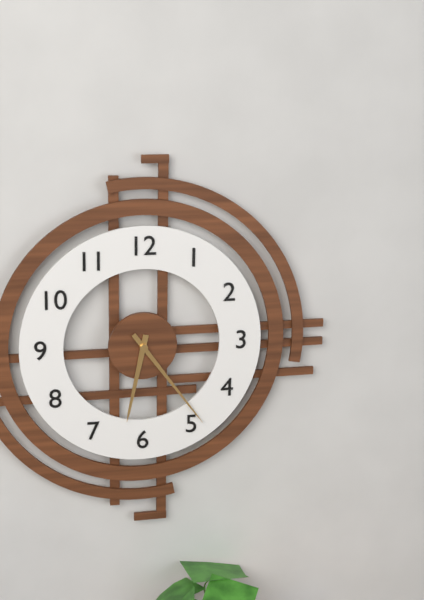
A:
6,24
